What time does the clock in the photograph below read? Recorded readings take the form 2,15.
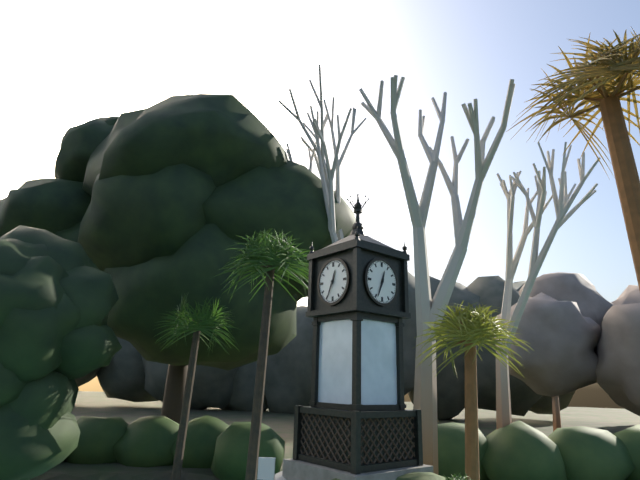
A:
12,34
